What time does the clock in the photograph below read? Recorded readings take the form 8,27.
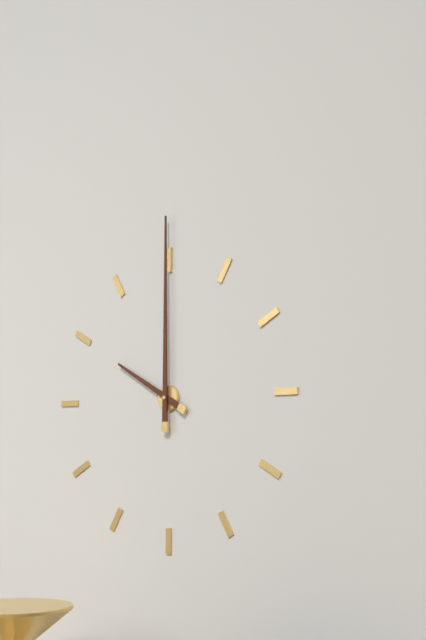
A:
10,00
